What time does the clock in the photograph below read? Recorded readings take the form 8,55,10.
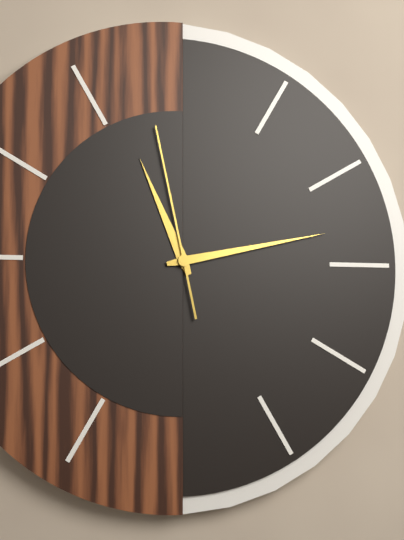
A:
11,13,58
